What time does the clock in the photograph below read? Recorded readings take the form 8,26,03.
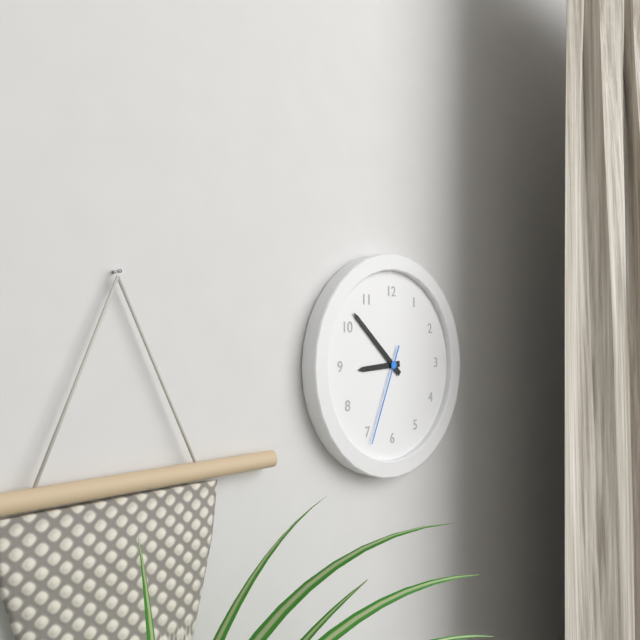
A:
8,52,34
